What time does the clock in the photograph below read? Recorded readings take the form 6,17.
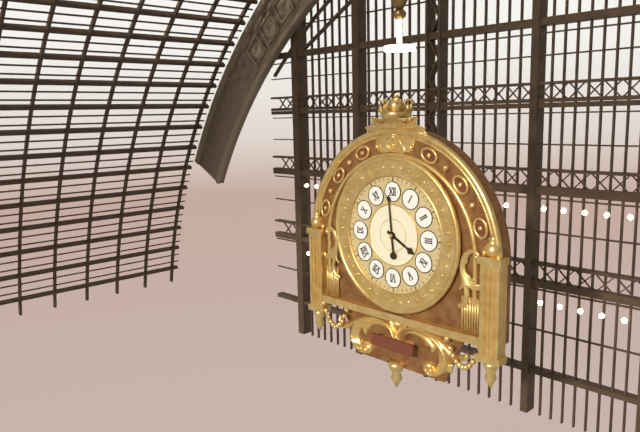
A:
3,59
